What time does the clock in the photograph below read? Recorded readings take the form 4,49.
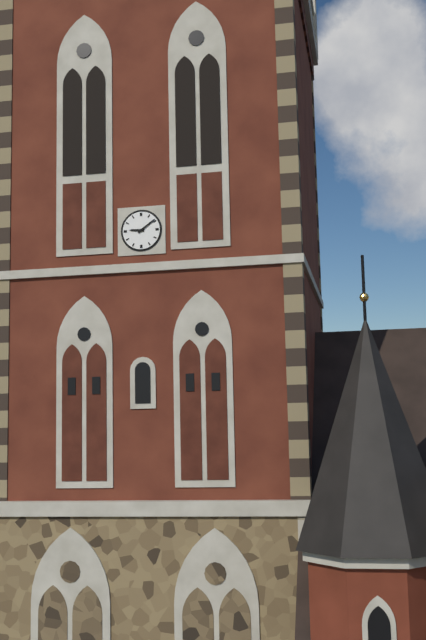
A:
9,09
